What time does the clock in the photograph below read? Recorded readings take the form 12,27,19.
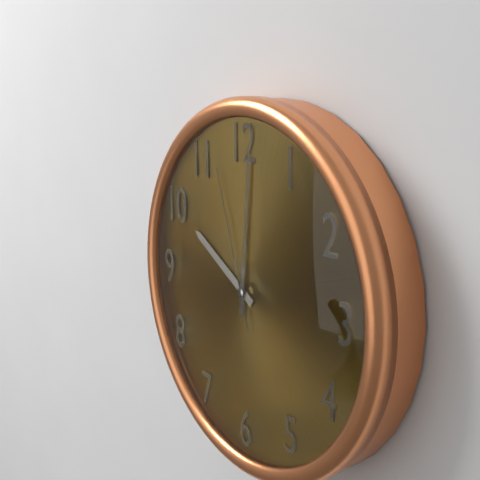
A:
10,01,57
